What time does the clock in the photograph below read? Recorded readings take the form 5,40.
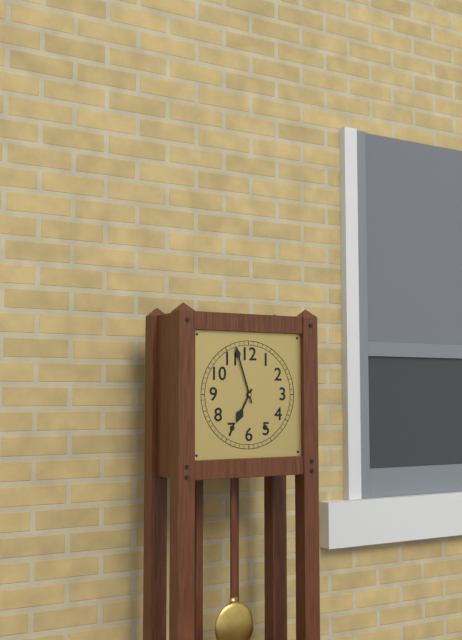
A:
6,57
